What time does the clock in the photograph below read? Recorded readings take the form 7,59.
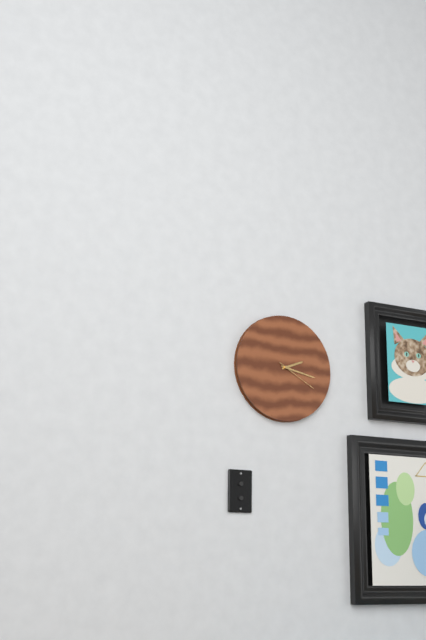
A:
2,17
